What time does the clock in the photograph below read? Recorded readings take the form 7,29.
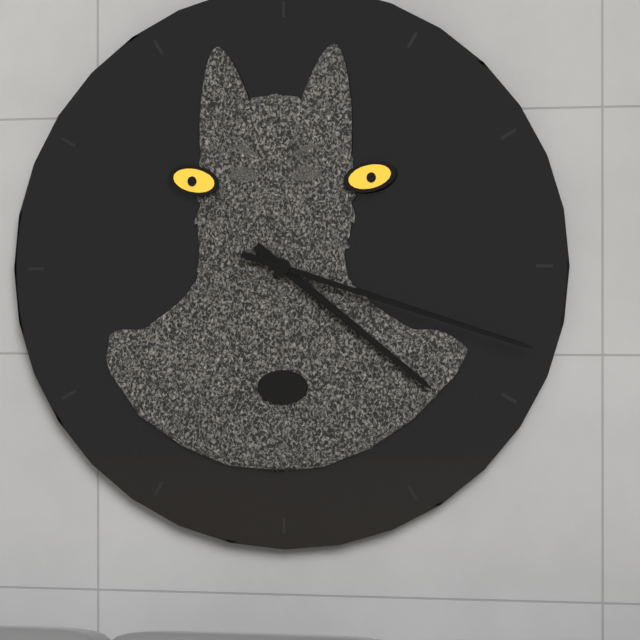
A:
4,18
